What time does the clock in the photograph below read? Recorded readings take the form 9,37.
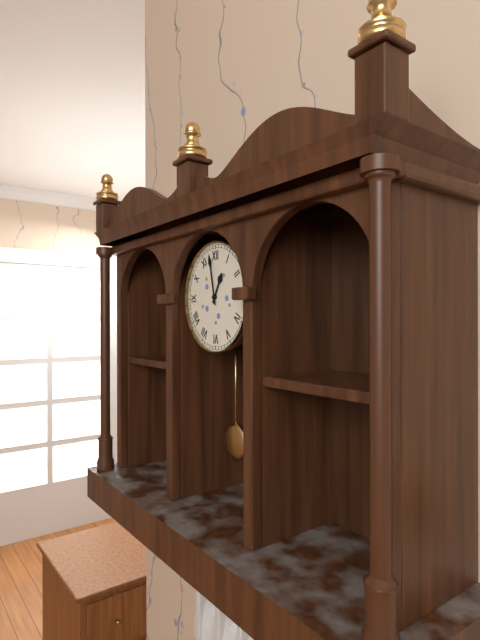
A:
12,58
